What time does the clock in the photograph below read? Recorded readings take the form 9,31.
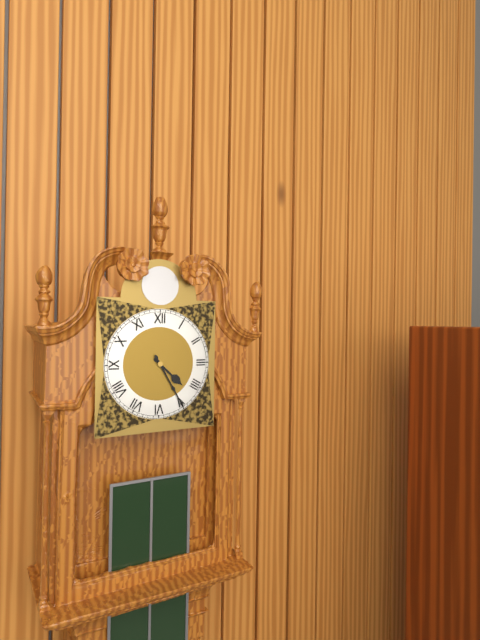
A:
4,25
